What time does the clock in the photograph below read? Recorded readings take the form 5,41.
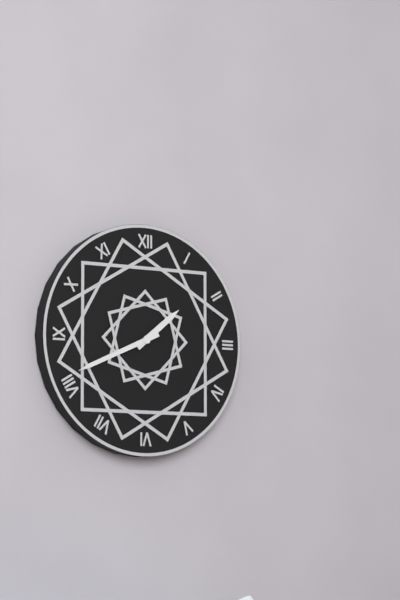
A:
1,41
